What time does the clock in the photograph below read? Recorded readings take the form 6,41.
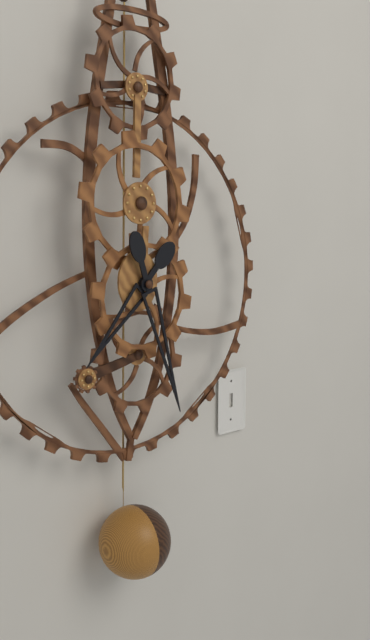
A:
7,27
